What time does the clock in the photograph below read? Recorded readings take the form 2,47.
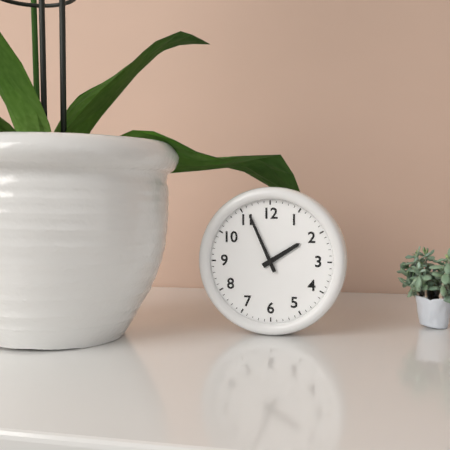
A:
1,56
